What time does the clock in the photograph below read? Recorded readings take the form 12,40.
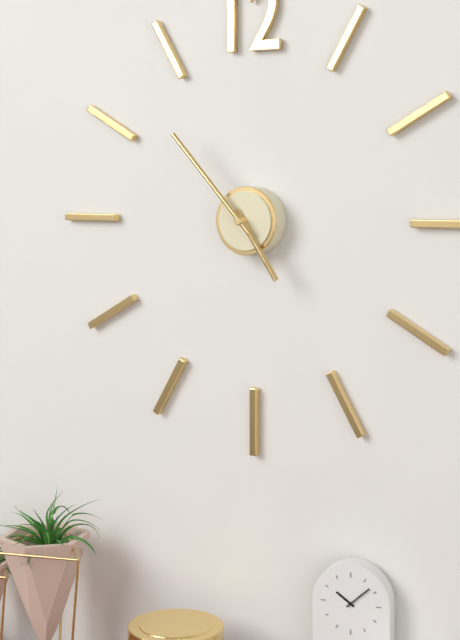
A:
4,53
